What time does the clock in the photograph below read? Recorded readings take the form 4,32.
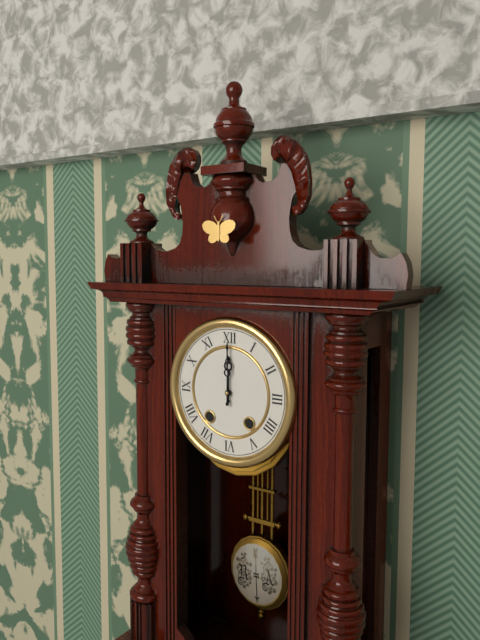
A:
12,00
